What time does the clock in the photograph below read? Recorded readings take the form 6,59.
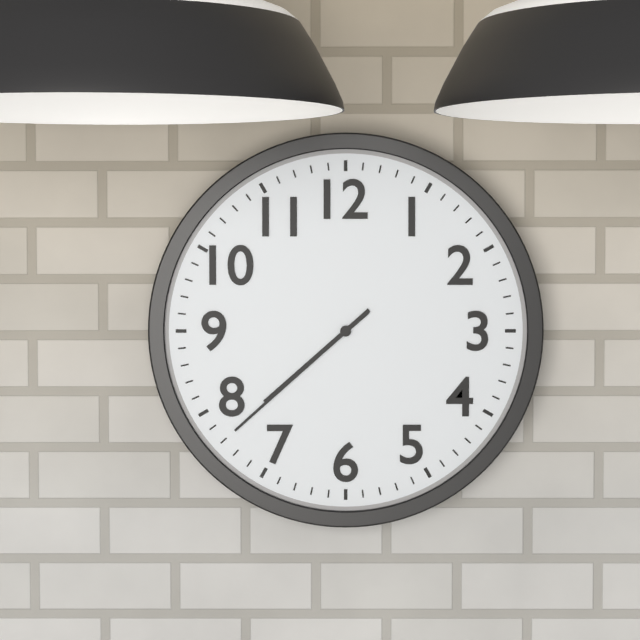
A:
7,38
